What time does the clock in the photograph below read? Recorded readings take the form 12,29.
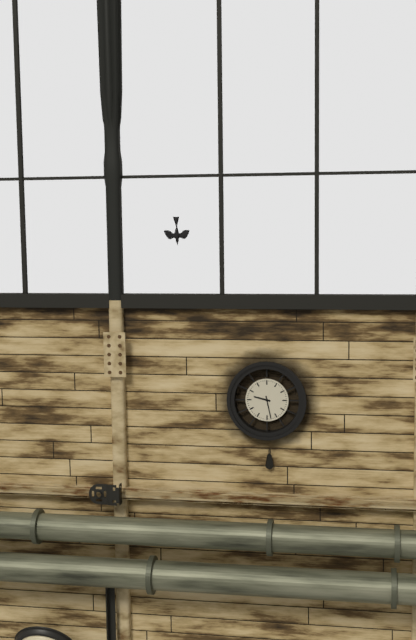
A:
9,28
